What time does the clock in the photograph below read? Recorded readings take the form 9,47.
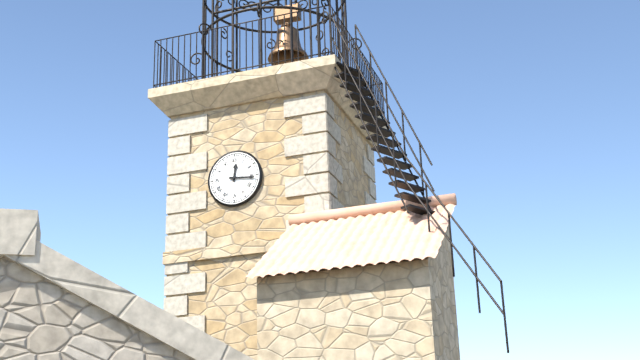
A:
12,16
